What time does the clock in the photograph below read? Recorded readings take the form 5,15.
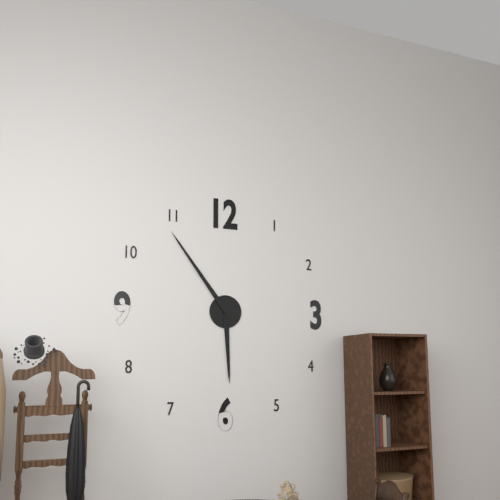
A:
5,54
